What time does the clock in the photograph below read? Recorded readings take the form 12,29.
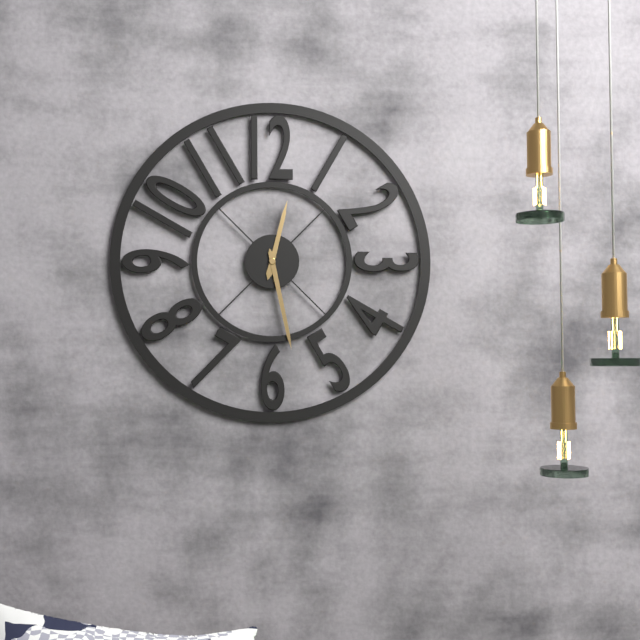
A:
12,28
